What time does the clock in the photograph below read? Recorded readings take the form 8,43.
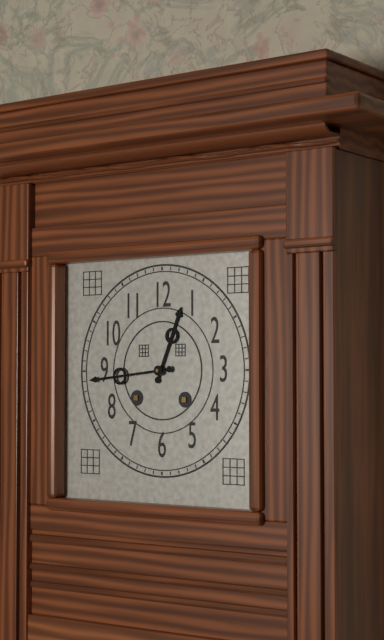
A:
12,44
